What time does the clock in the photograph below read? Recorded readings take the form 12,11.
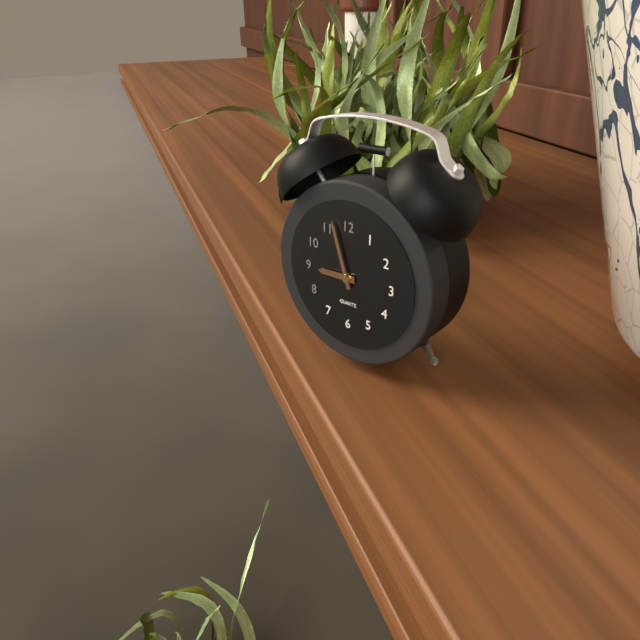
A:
8,57
